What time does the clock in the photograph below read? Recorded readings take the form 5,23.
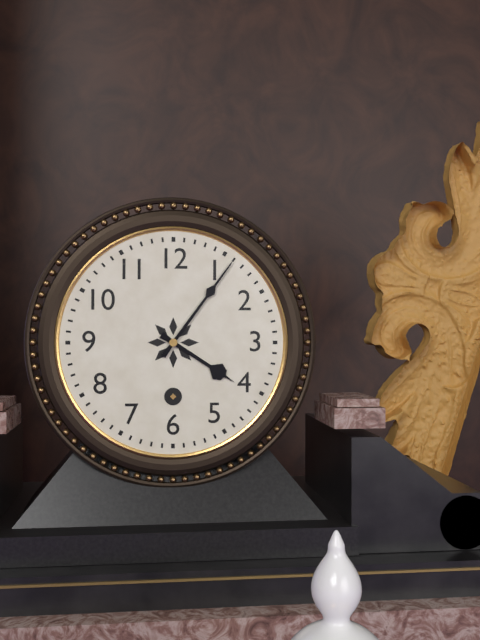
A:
4,06
